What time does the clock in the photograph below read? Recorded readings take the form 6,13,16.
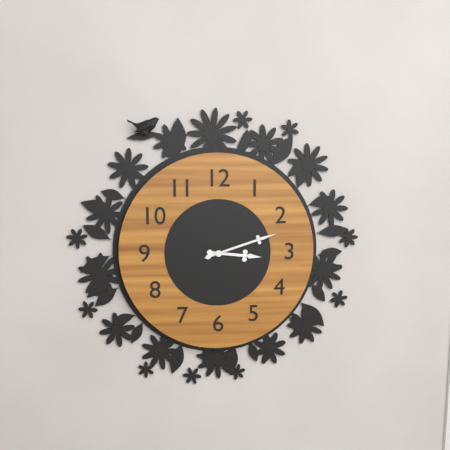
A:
3,12,12
